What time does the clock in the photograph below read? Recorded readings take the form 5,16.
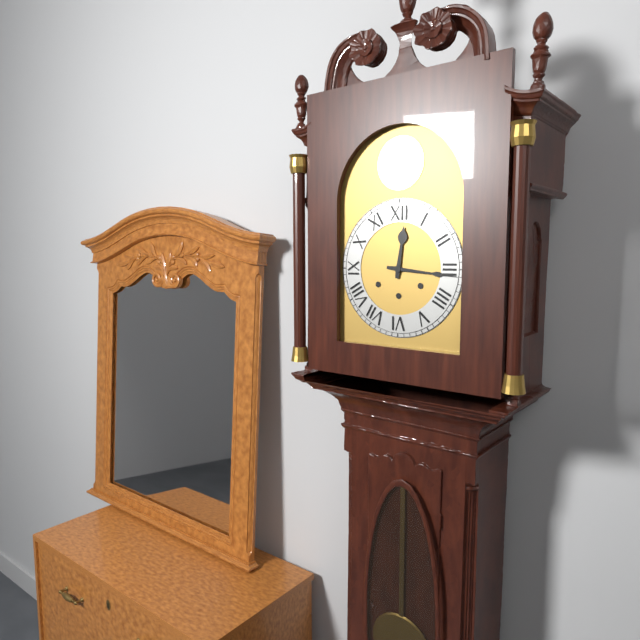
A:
12,16
